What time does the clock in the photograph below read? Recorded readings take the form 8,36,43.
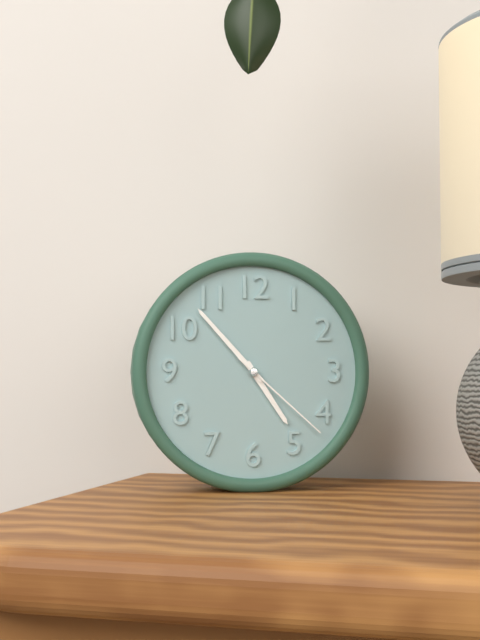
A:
4,53,22
